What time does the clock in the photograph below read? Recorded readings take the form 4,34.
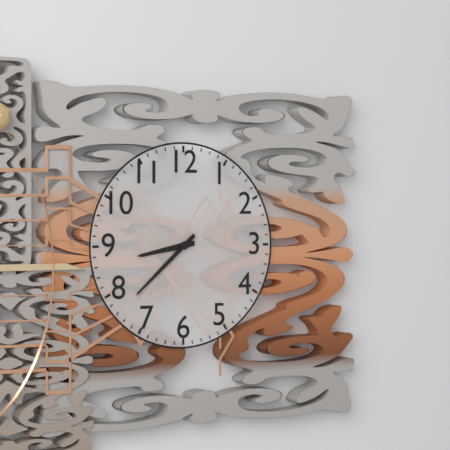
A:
8,38
